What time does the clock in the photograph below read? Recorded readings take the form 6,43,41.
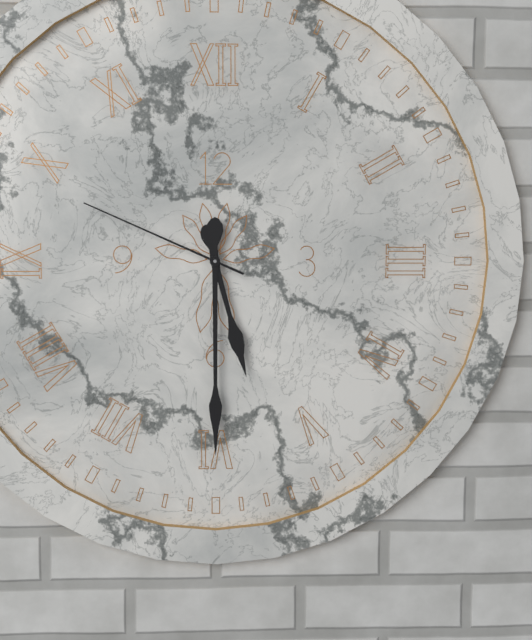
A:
5,30,49
